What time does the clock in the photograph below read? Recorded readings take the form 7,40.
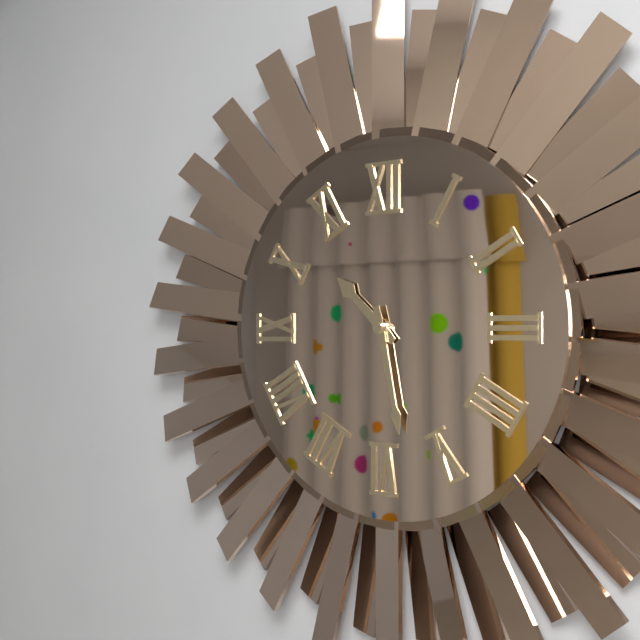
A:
10,28
